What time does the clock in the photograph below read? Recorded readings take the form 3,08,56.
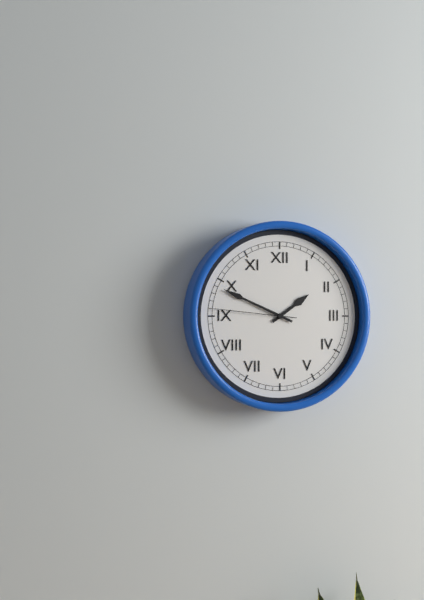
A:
1,49,46
